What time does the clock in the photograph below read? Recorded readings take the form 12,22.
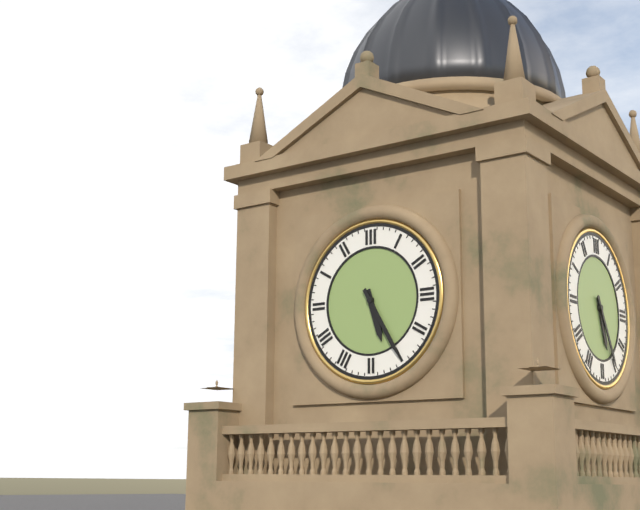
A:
5,25
